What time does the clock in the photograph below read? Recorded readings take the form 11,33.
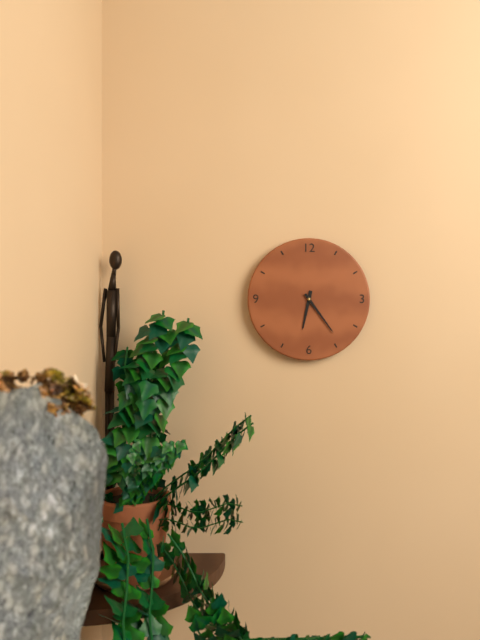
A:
6,24
